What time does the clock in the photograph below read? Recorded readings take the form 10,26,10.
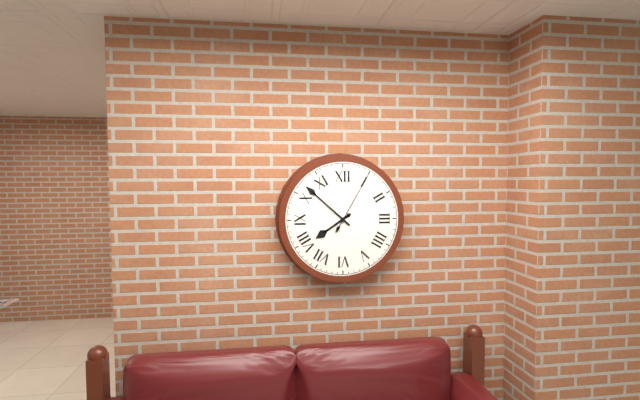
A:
7,52,05
